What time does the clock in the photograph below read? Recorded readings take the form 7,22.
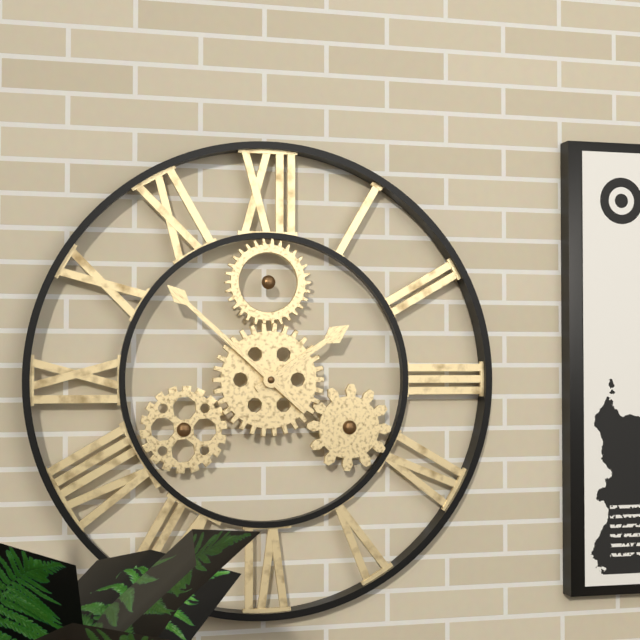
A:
1,52
